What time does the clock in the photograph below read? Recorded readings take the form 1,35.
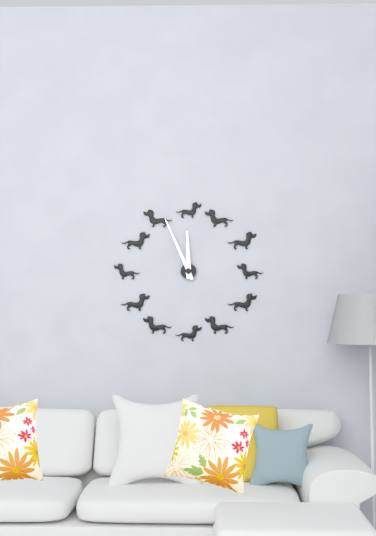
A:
11,56
